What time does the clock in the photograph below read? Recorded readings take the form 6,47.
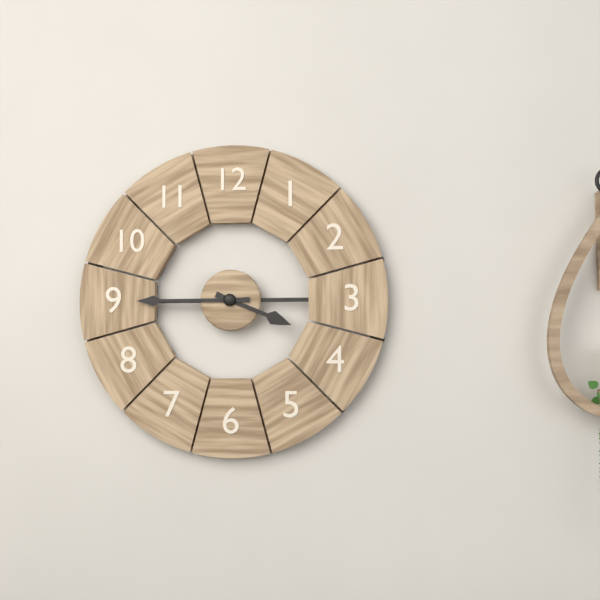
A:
3,45
